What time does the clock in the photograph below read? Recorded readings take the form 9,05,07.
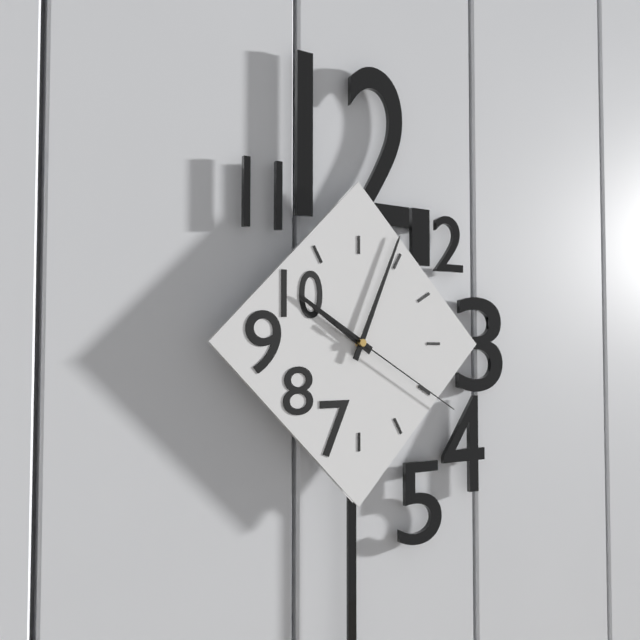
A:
10,04,20
